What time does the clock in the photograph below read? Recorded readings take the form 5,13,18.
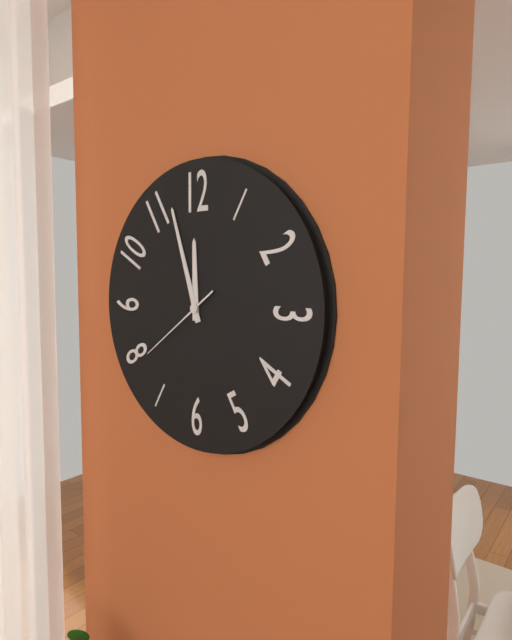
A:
11,57,39
